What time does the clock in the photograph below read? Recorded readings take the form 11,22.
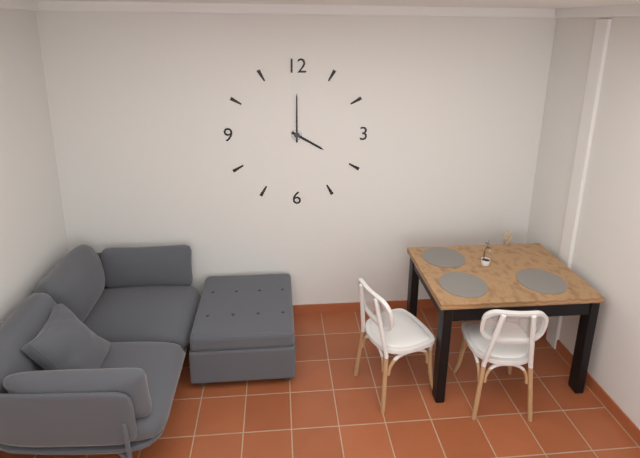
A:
4,00
